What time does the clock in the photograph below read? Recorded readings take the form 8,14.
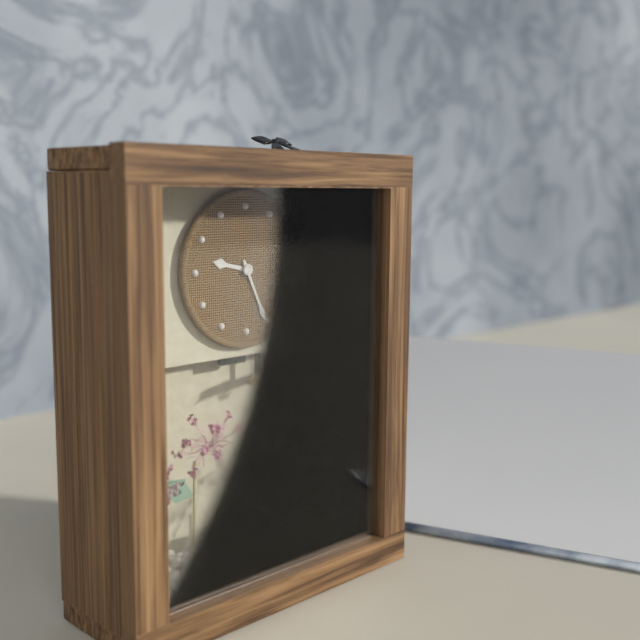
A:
9,26
